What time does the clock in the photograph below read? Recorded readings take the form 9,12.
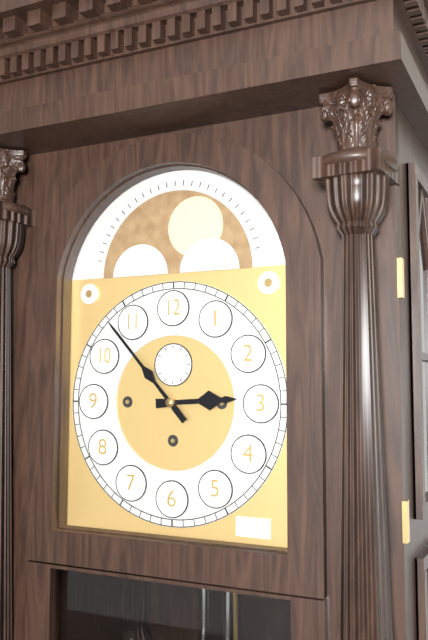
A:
2,53
